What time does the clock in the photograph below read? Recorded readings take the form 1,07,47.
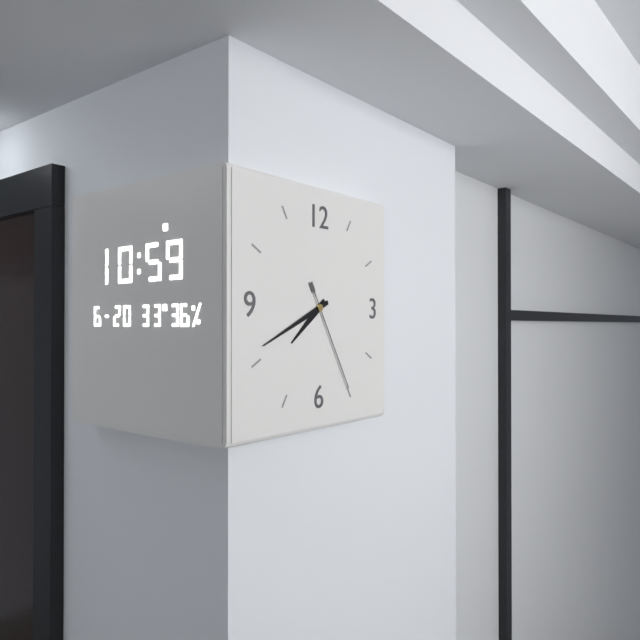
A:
7,41,25
